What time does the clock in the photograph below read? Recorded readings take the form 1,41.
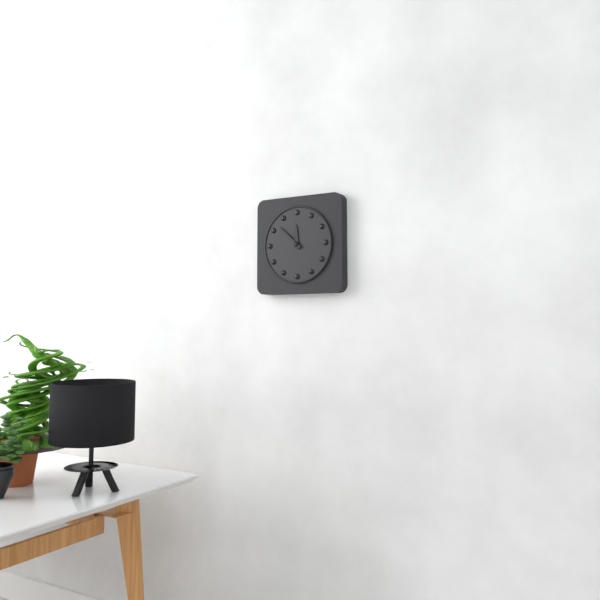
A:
11,52
